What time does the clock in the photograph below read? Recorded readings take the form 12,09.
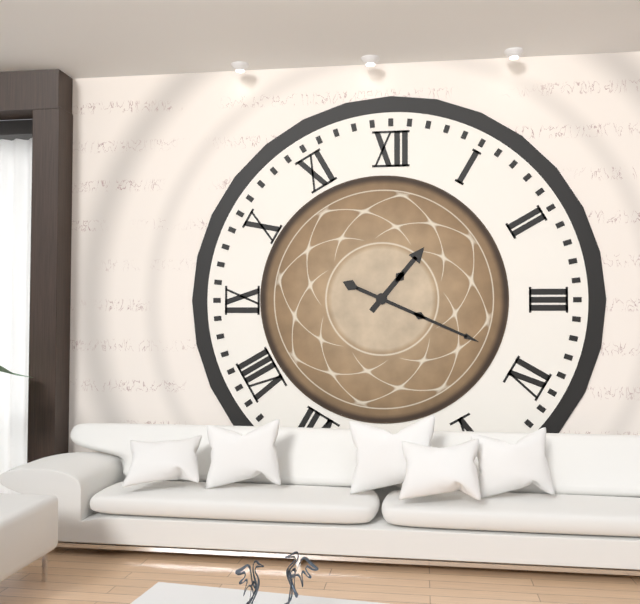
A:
1,19
